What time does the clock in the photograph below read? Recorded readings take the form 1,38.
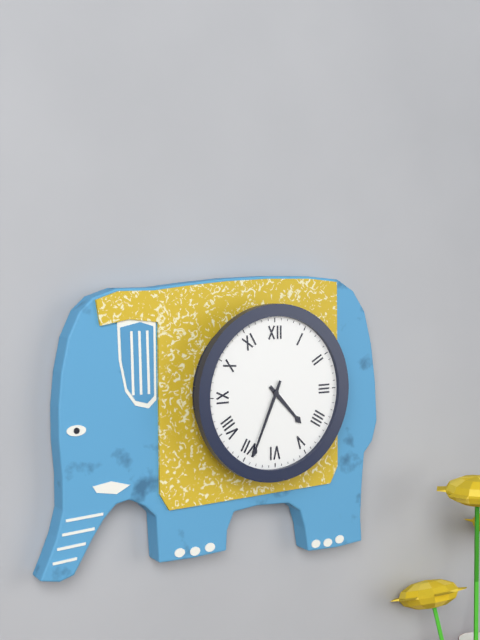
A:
4,34
